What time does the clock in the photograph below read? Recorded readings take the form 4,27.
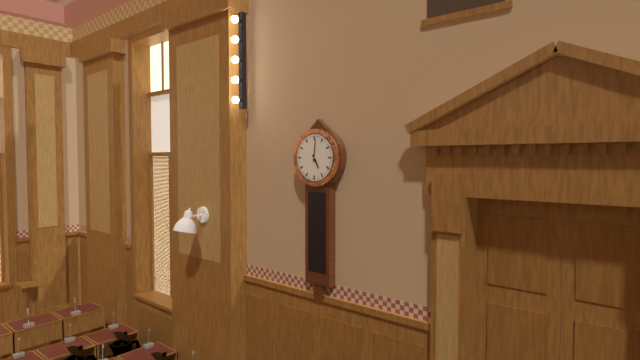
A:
5,01
